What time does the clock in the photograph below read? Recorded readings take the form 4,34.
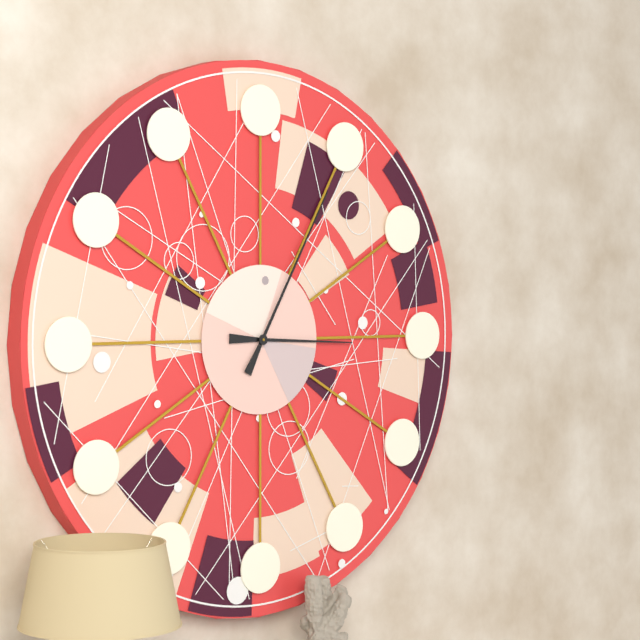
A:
3,05
